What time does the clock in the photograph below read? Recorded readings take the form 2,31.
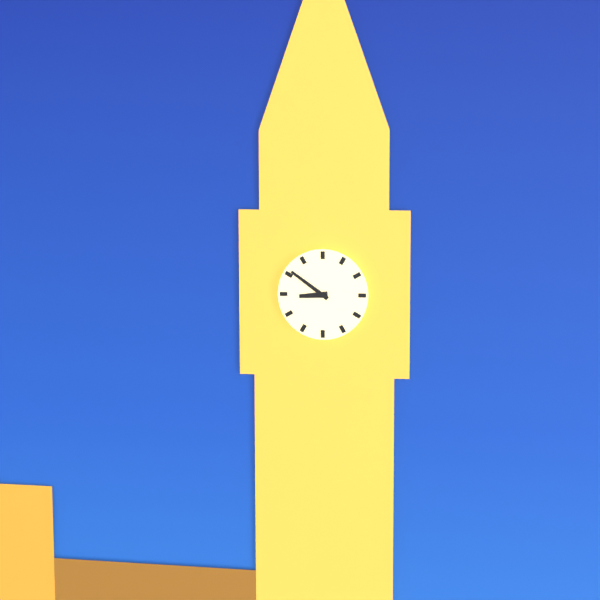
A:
8,51
